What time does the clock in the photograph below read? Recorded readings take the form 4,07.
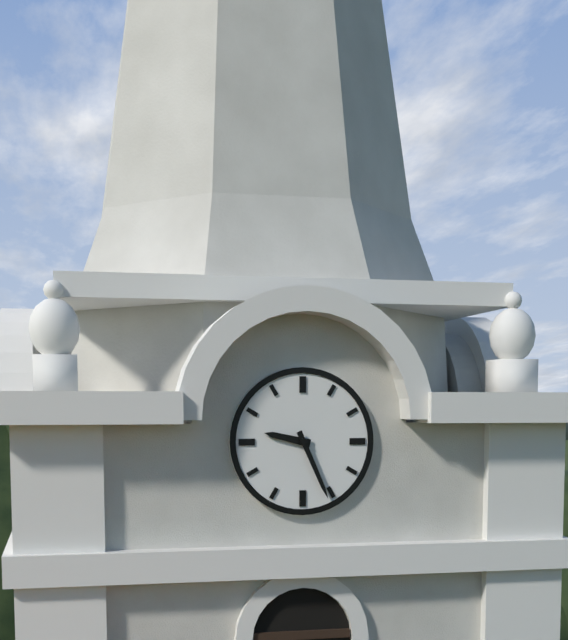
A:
9,26
